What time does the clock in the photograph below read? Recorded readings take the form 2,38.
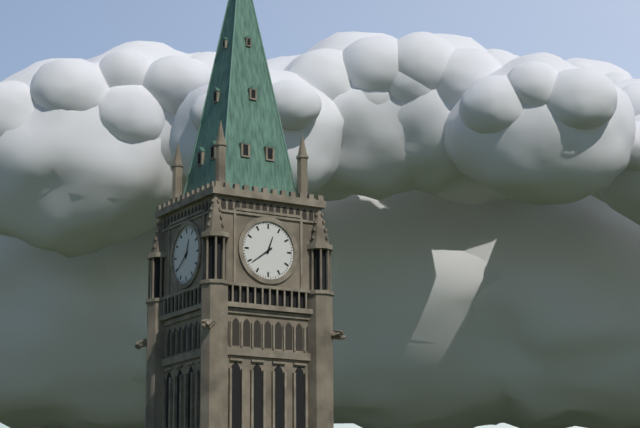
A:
12,39
